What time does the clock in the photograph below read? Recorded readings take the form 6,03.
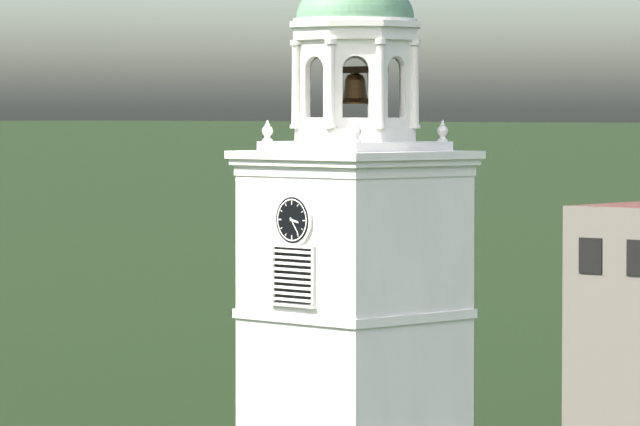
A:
3,24
